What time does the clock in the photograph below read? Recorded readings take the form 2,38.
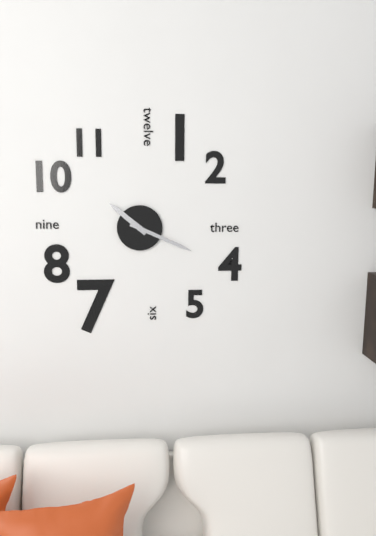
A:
10,19
